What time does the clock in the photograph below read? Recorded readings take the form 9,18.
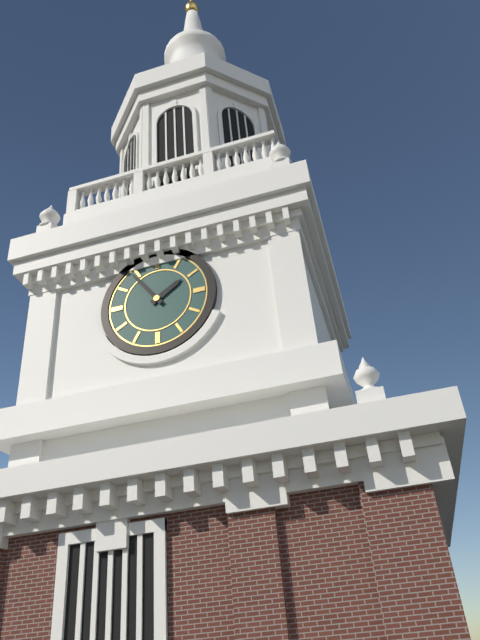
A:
1,54
